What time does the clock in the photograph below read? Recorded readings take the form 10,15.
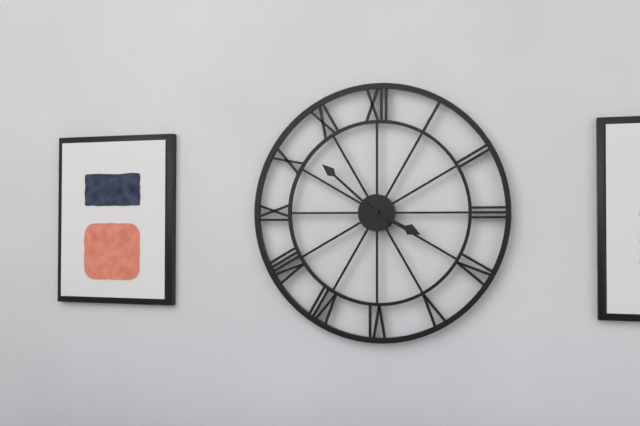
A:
3,52
